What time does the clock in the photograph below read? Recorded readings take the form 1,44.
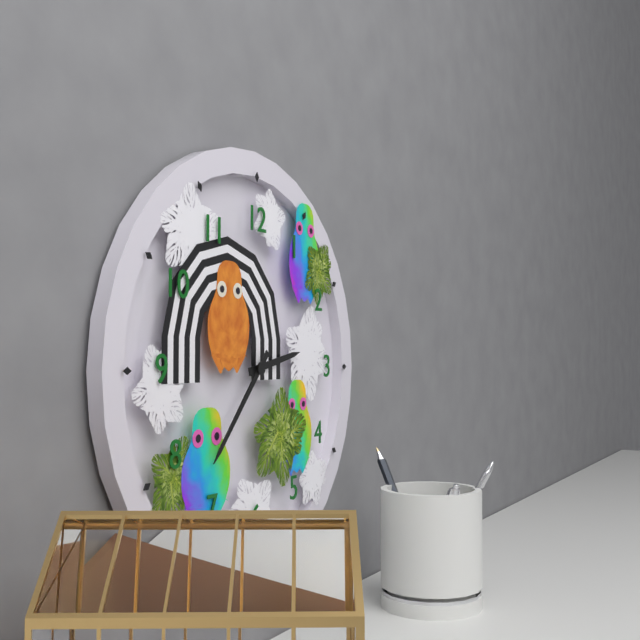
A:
2,37
